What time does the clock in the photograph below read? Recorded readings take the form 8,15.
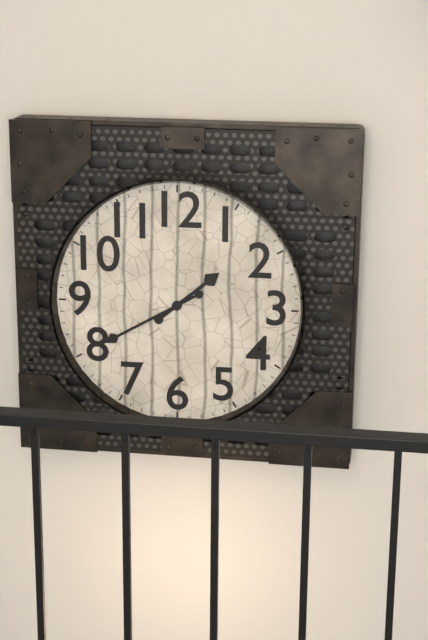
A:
1,40
